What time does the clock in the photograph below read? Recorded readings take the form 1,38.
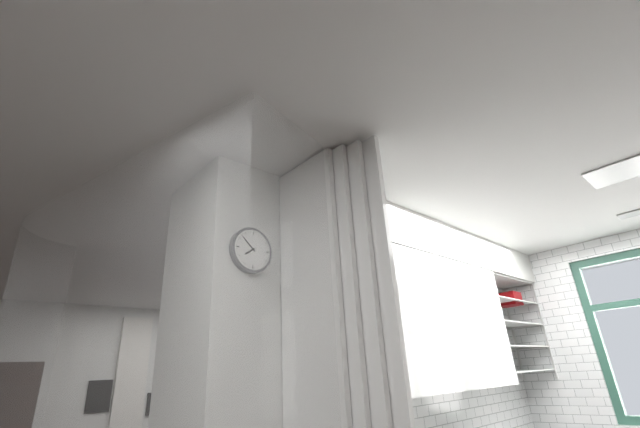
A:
7,52
